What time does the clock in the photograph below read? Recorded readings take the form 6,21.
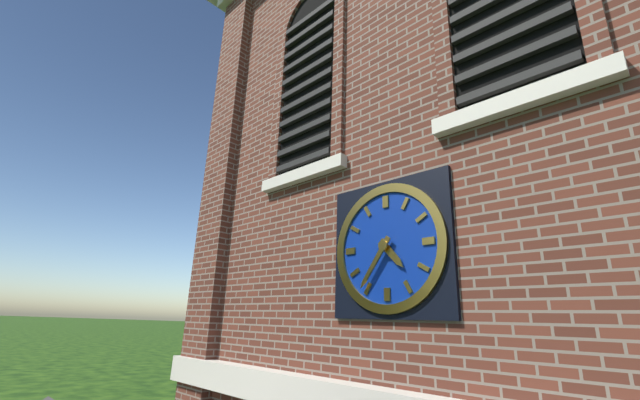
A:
4,36
